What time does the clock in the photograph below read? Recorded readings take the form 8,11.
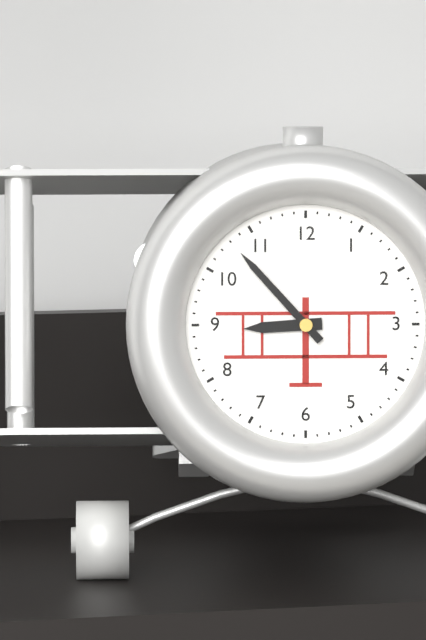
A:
8,53
